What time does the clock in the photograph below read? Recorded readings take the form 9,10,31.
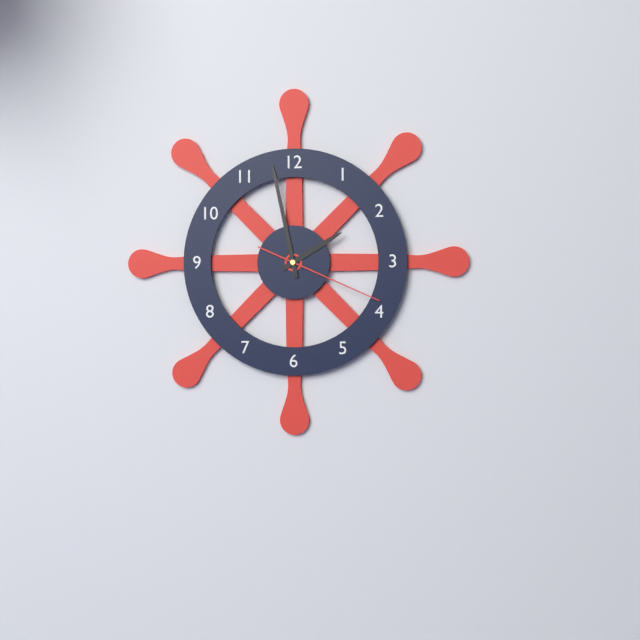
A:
1,58,19
